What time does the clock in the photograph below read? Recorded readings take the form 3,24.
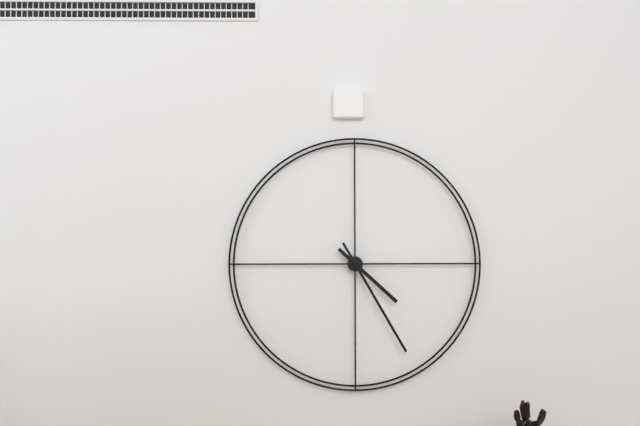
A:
4,25
